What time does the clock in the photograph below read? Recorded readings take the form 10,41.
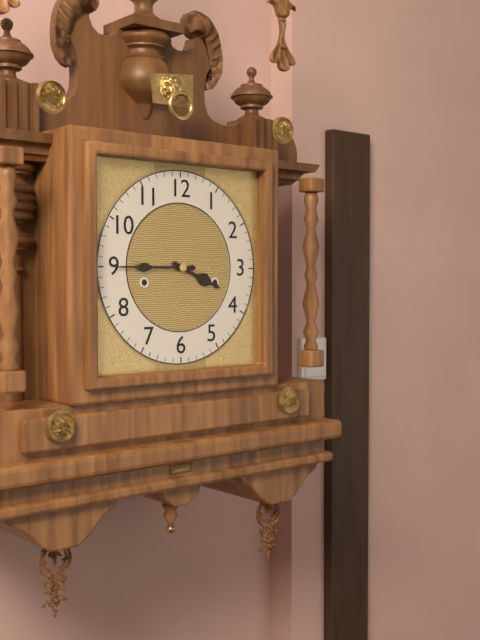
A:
3,45
